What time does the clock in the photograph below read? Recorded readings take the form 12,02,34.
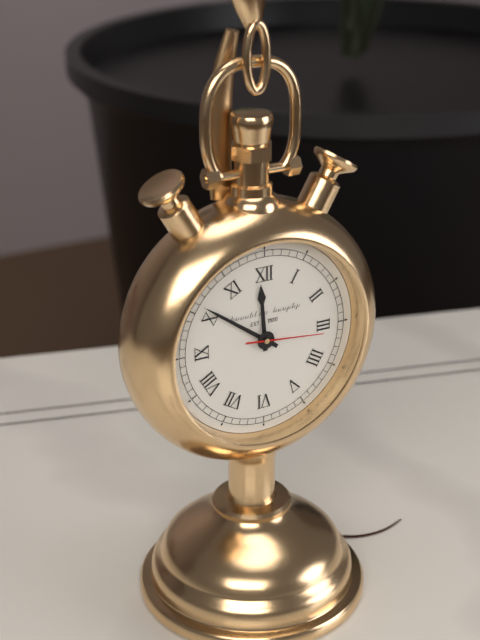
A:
11,51,16
